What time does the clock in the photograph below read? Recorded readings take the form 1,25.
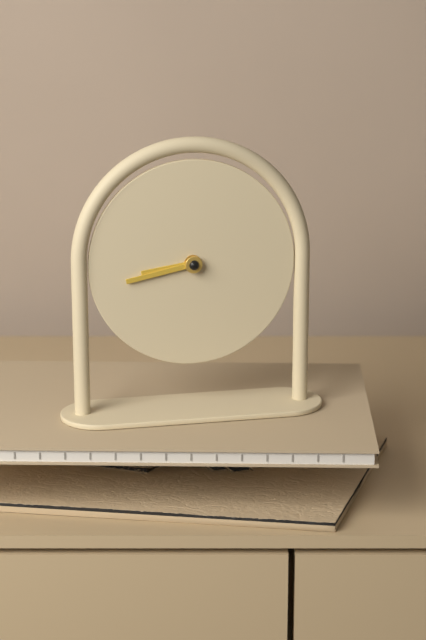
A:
8,43
